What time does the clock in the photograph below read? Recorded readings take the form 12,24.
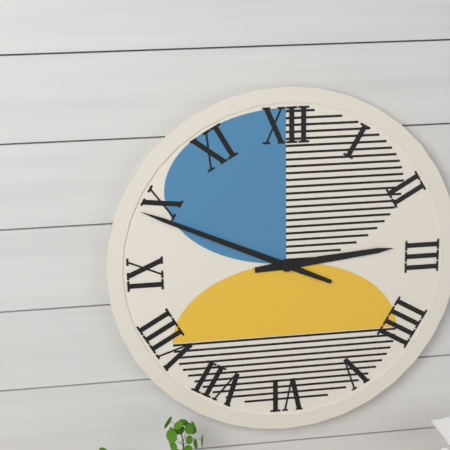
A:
2,49
